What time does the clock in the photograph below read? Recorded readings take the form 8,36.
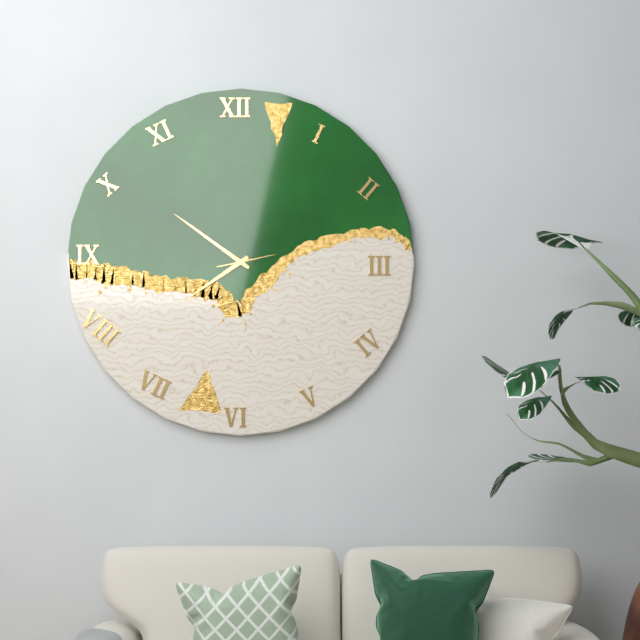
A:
7,51
